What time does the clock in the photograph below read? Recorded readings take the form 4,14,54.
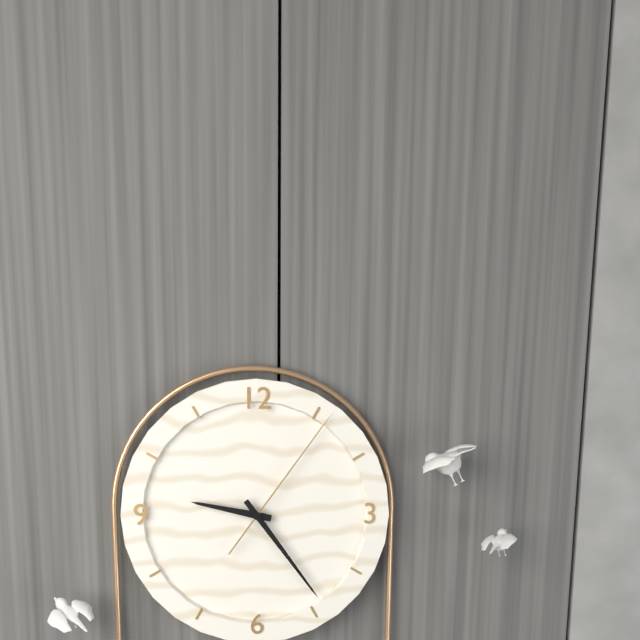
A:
9,24,06
